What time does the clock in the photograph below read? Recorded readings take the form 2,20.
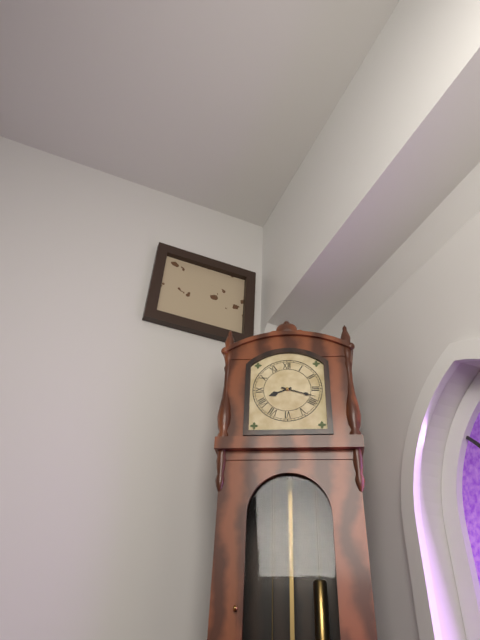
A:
8,18
